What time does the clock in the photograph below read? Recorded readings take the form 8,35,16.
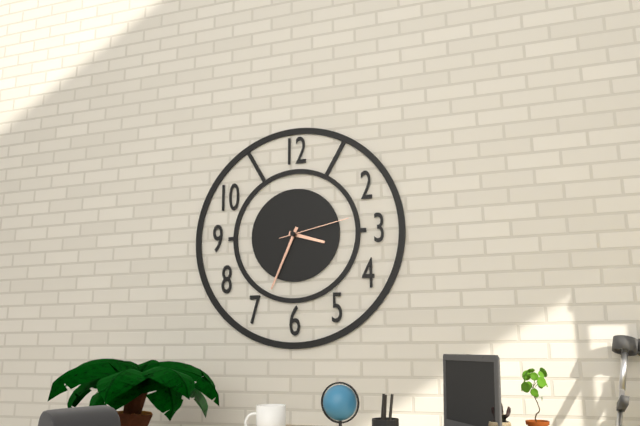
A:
3,34,13
